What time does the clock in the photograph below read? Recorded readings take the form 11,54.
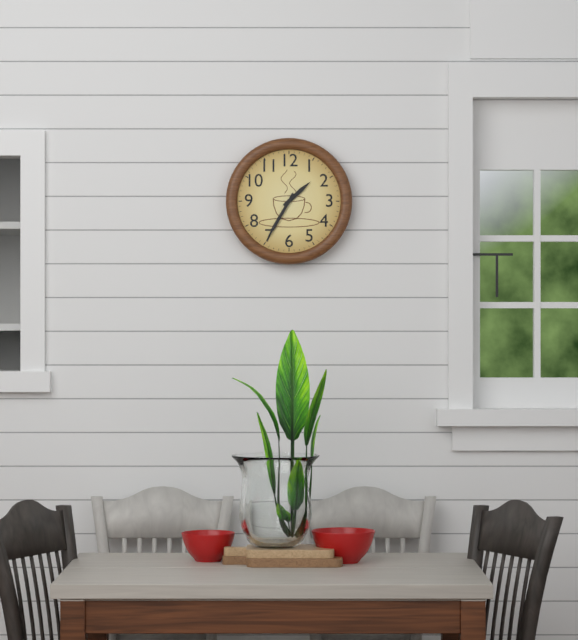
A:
1,35
